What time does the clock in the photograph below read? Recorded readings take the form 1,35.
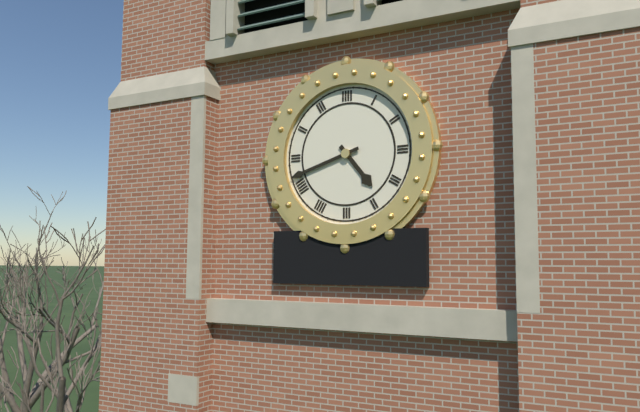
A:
4,42
